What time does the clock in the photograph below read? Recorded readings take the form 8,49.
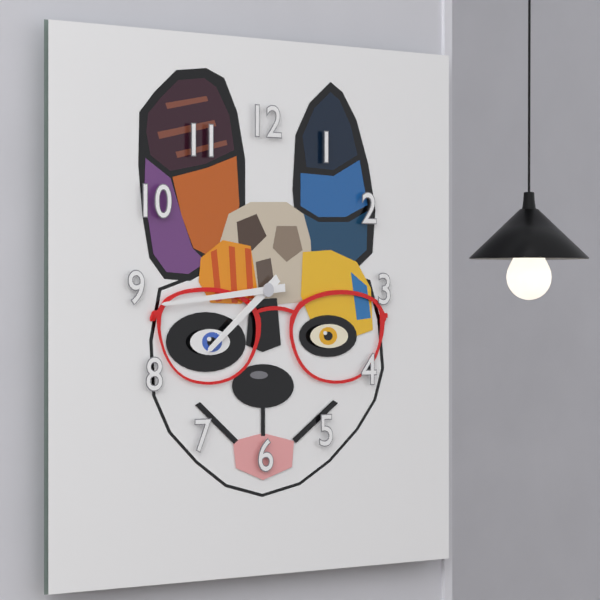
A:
7,44
